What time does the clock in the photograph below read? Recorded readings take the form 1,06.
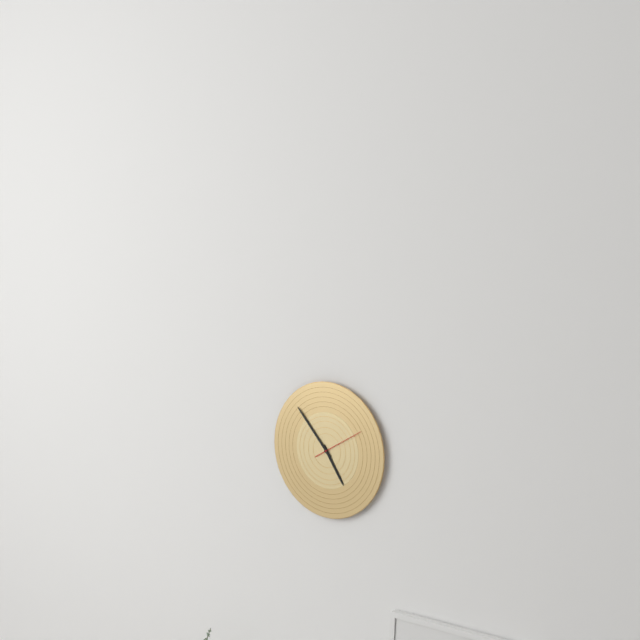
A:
4,53
